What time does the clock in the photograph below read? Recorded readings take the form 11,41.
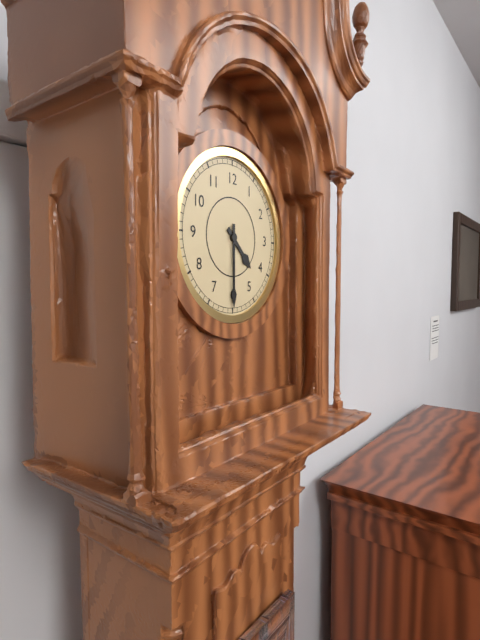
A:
4,30
